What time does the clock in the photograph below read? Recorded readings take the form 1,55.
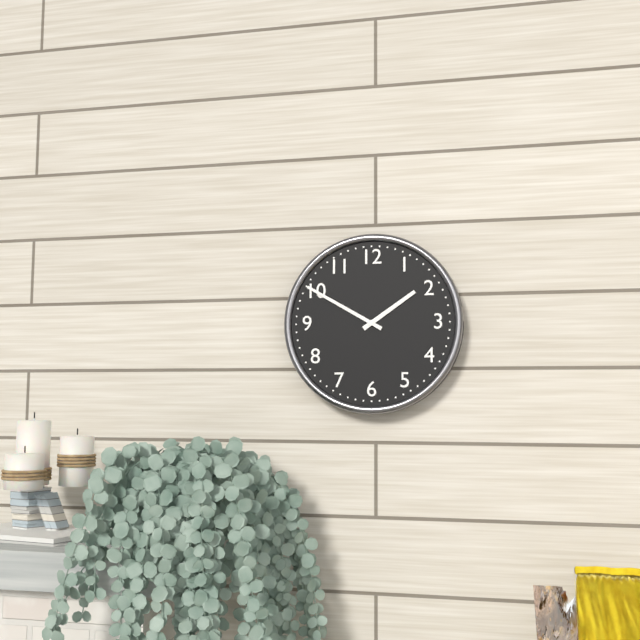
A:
1,50
